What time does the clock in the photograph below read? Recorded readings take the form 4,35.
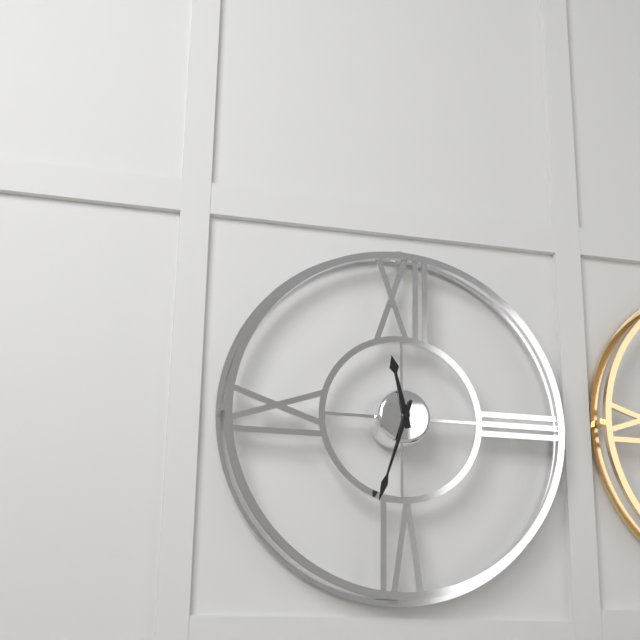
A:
11,33
